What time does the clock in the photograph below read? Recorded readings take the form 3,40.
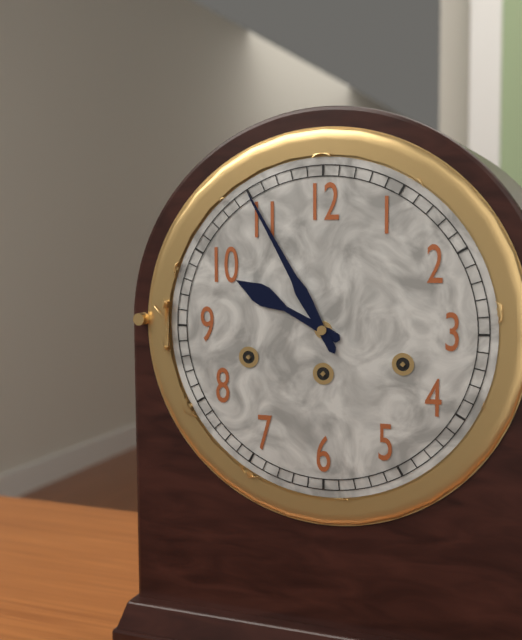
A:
9,55
